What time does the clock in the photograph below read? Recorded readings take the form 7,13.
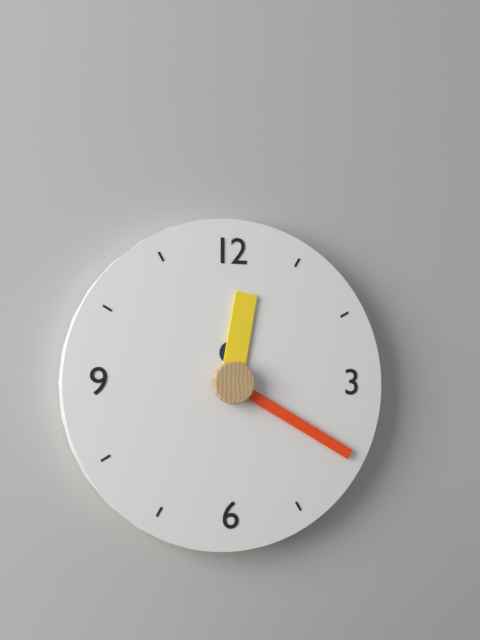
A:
12,20
